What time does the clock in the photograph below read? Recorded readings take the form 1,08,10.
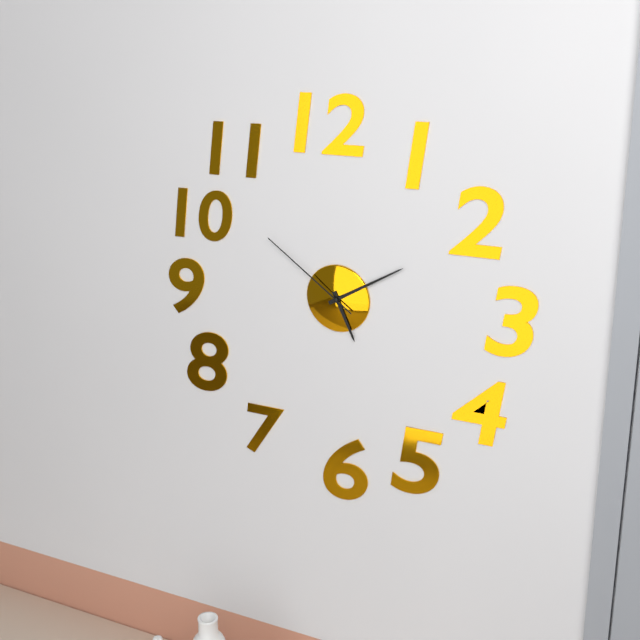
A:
5,10,51
